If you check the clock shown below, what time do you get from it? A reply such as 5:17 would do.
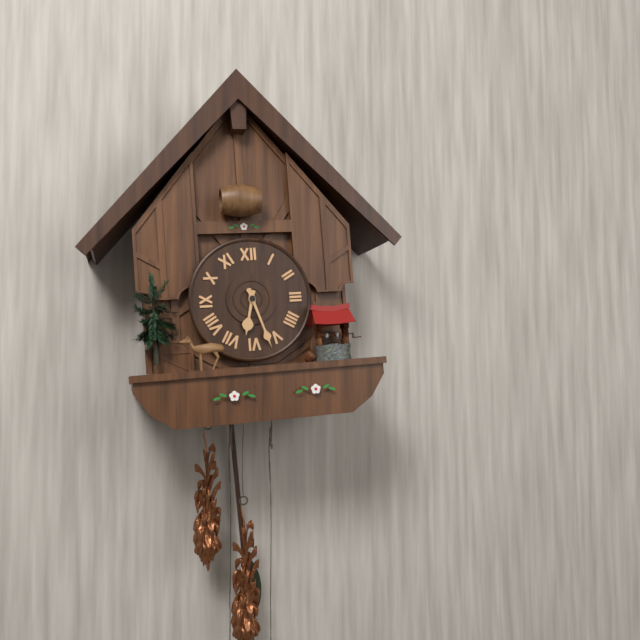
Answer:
6:27
